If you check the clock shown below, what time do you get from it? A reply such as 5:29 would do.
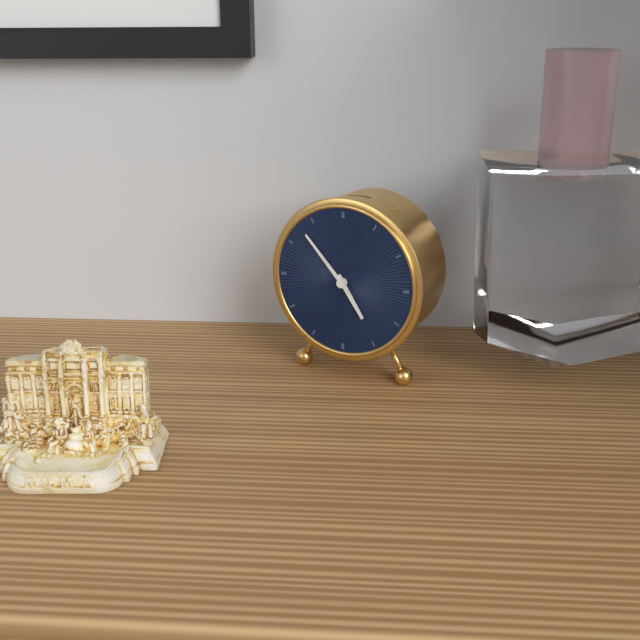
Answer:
4:53
